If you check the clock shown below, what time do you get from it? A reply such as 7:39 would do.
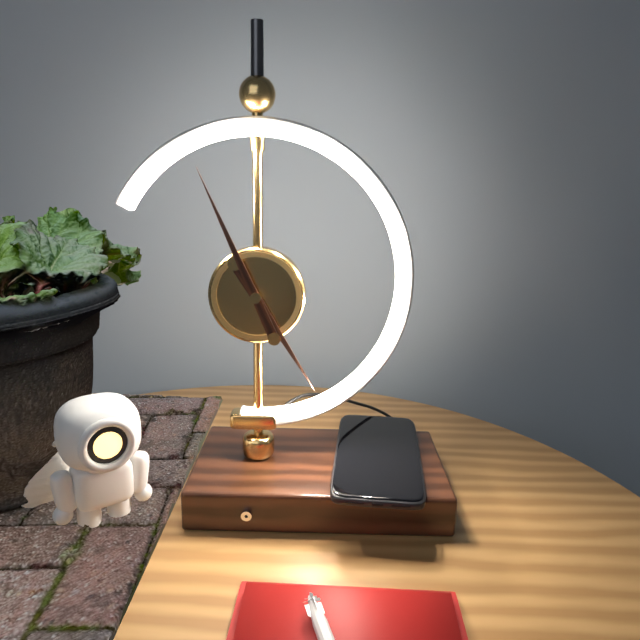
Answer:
4:56
